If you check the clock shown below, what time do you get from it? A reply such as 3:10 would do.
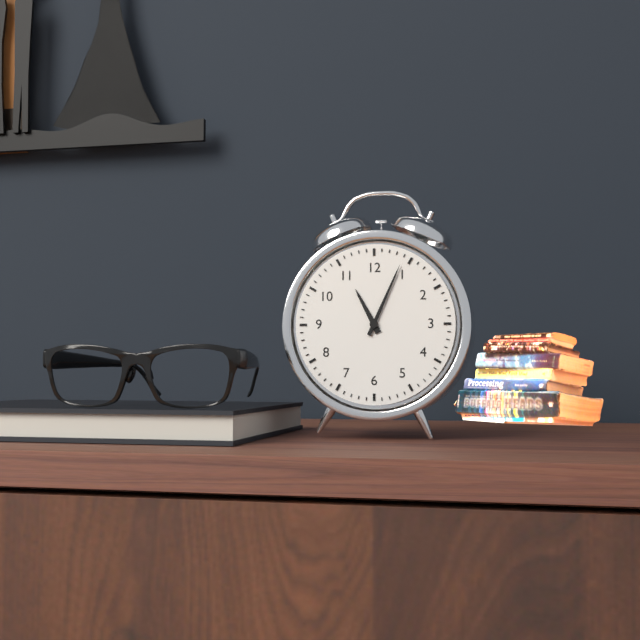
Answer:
11:04
